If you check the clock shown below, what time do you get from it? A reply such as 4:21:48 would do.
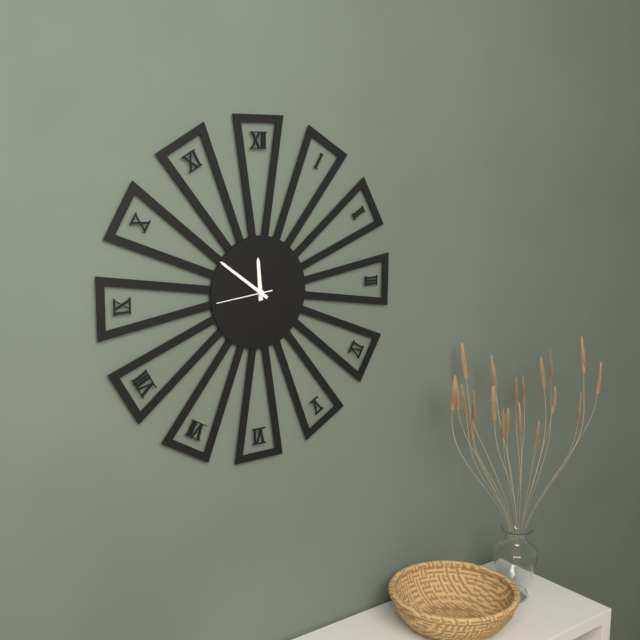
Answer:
11:51:44
